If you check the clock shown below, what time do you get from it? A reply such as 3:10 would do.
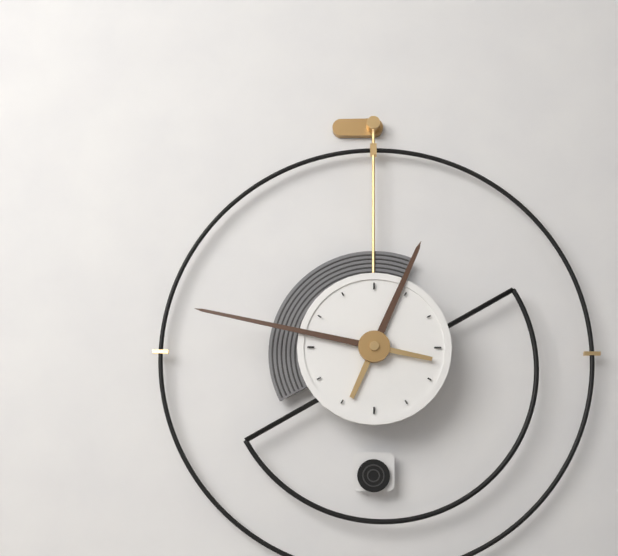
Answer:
12:47
